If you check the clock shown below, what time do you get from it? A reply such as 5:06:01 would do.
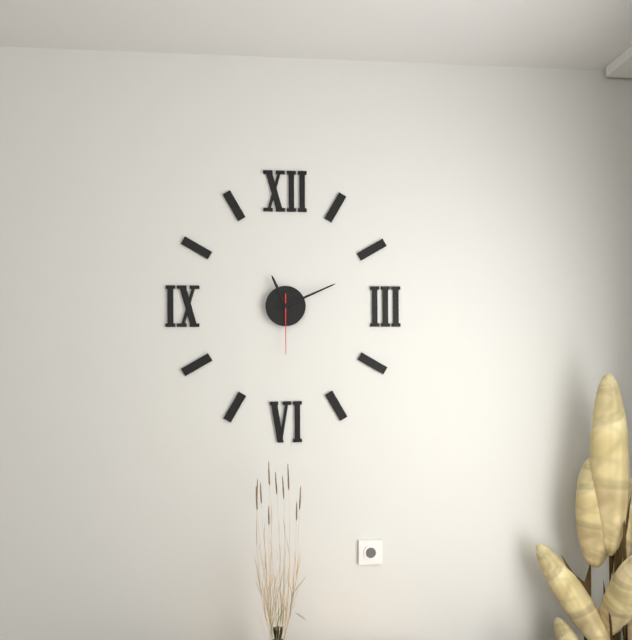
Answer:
11:11:30
